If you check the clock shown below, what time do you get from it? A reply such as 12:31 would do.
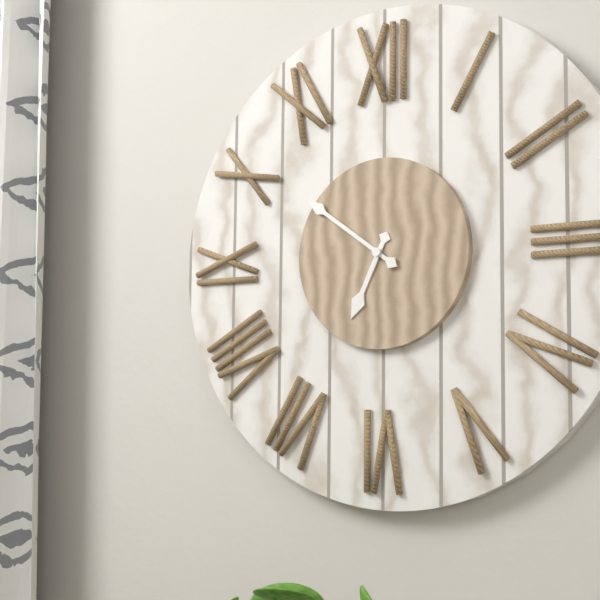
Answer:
6:51
